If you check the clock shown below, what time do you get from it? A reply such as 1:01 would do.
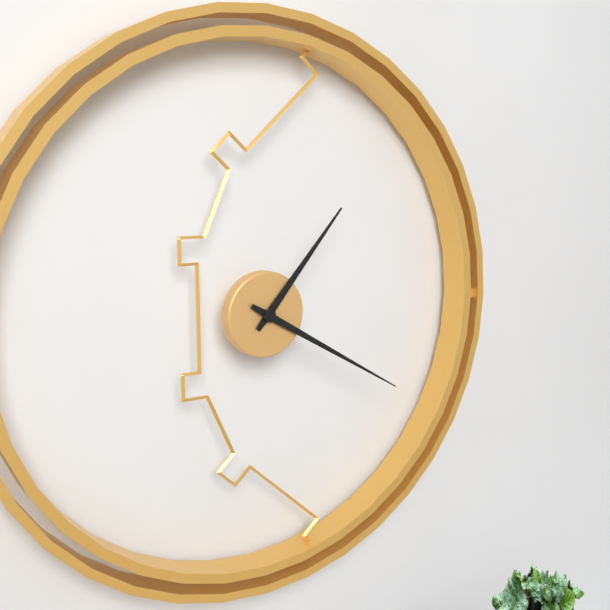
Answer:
1:20
